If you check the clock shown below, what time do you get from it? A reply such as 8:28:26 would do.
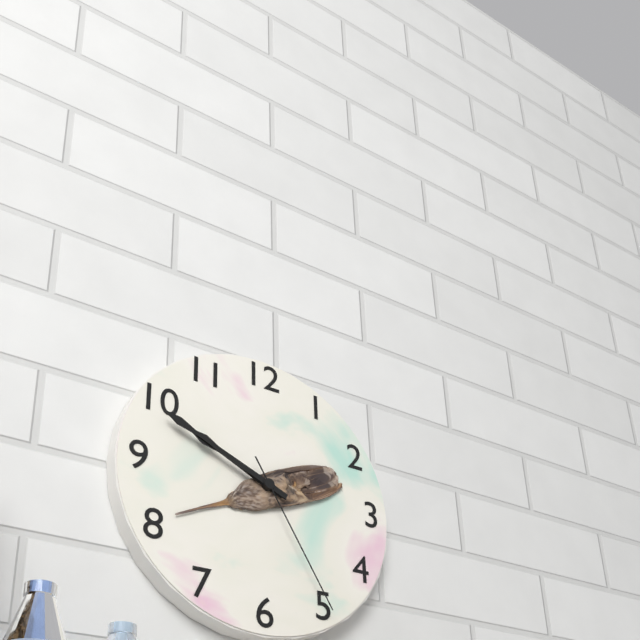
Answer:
9:49:25
